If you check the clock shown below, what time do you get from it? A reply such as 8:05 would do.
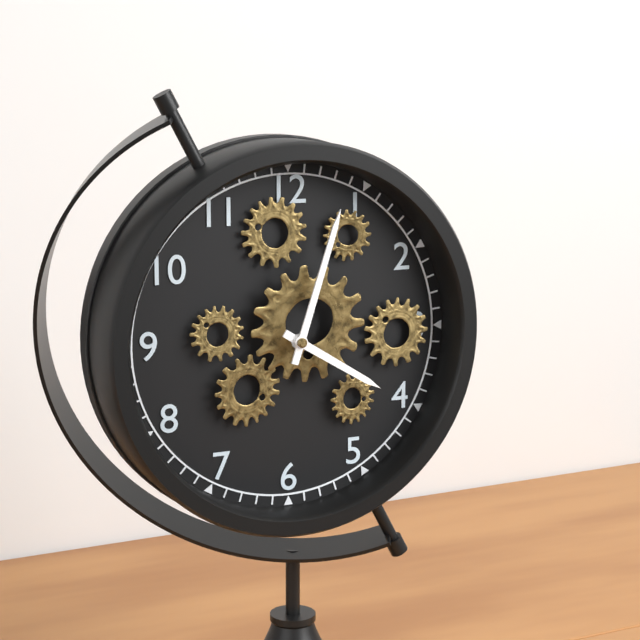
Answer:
4:03
